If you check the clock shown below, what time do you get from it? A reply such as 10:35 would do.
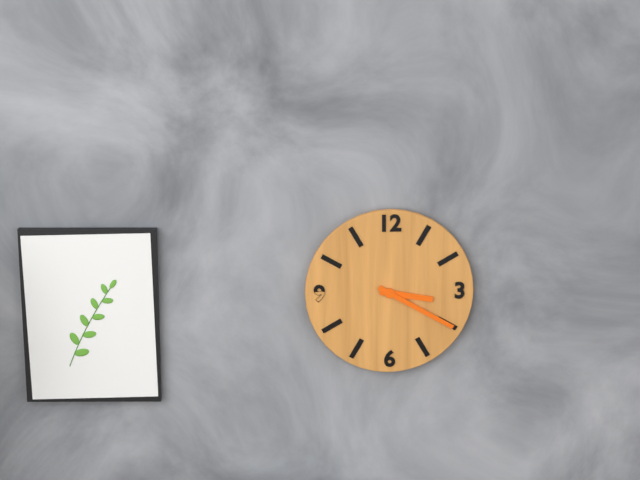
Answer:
3:20
